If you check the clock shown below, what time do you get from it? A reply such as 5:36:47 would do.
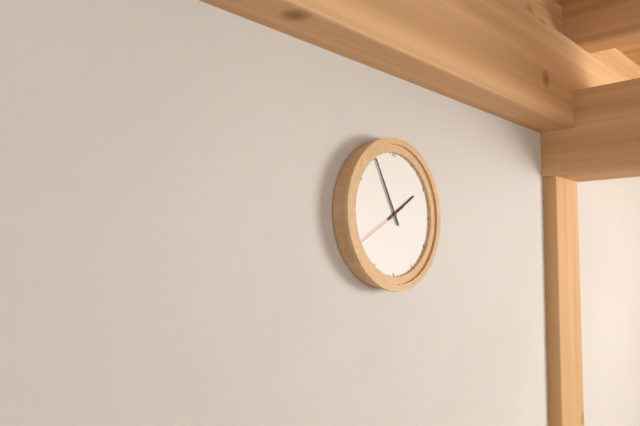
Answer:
1:55:40
